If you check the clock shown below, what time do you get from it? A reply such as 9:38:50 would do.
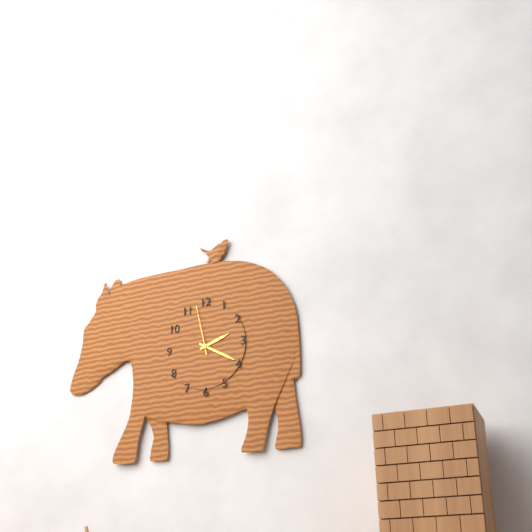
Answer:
2:20:58
